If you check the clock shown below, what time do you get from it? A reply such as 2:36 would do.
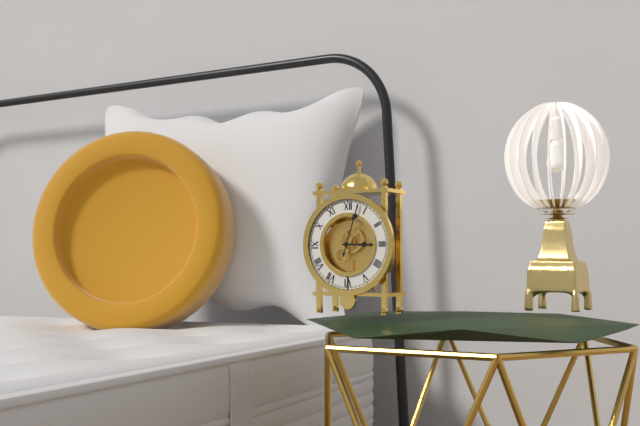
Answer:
3:03
